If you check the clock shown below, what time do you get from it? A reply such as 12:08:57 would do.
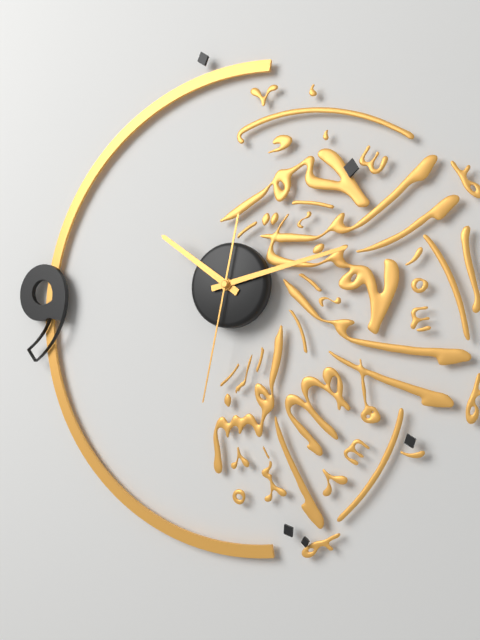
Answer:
10:13:32
